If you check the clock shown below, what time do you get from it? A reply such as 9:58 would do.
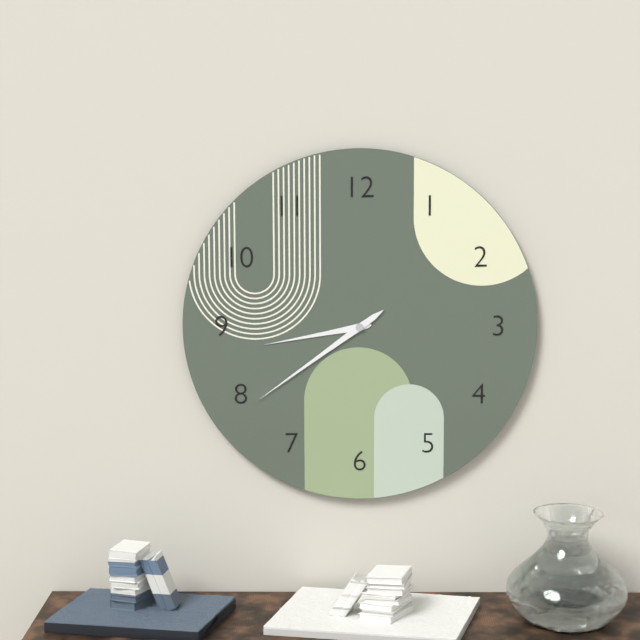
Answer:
8:39
